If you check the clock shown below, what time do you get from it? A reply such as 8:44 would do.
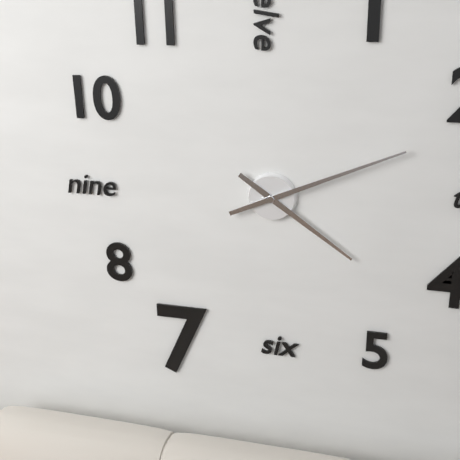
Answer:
4:11
